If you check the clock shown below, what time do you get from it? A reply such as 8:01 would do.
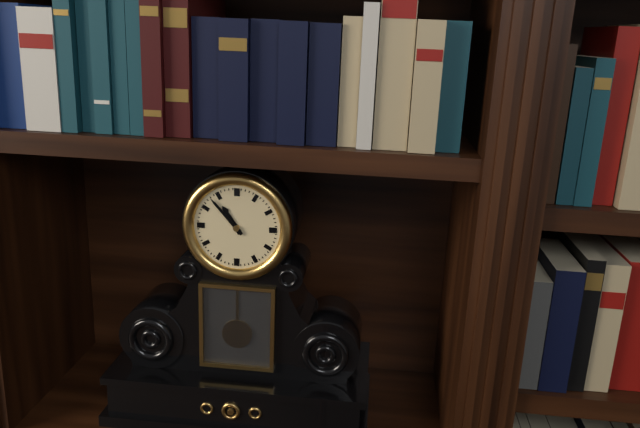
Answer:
10:53
